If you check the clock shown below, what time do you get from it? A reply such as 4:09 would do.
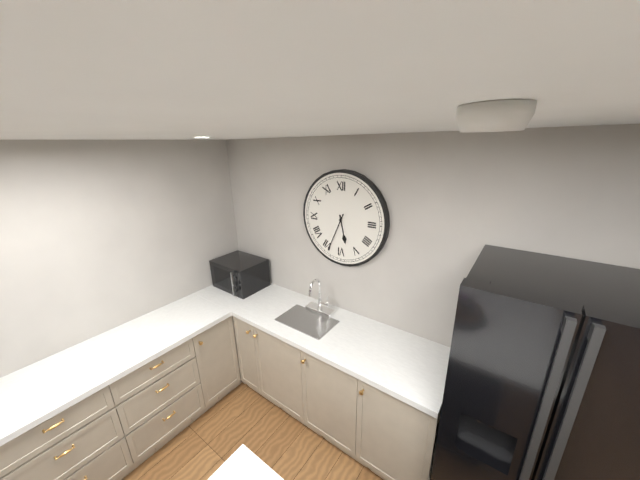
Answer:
5:34
